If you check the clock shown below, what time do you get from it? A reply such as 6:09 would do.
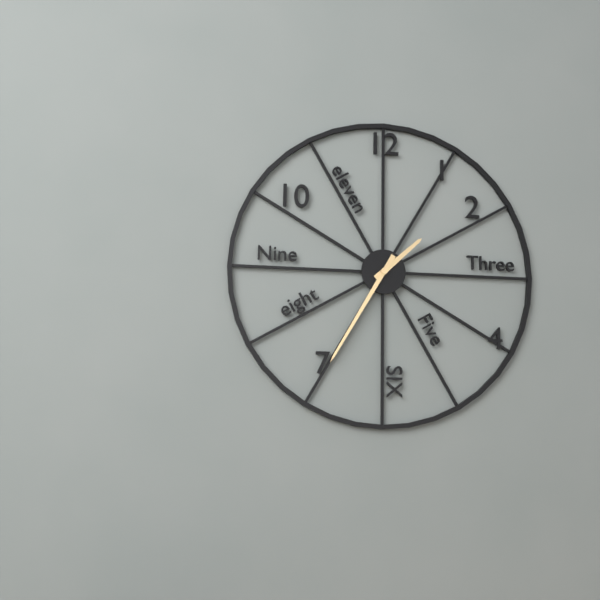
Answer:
1:35
